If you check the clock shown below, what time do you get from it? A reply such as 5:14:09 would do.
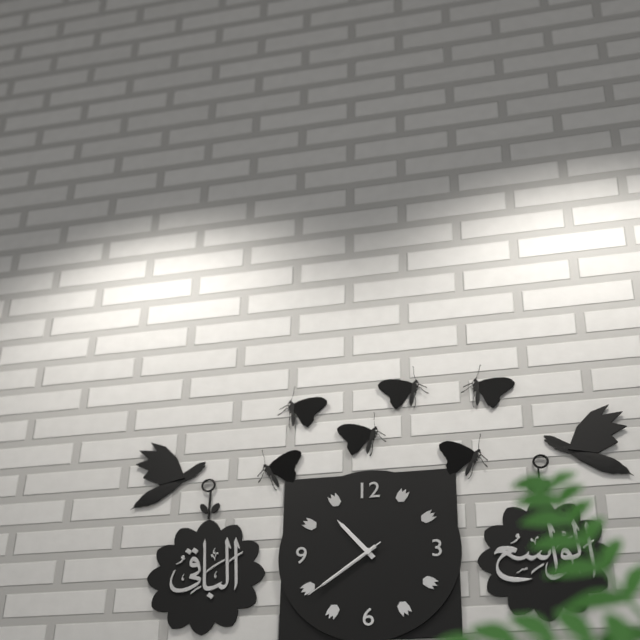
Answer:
10:39:39
